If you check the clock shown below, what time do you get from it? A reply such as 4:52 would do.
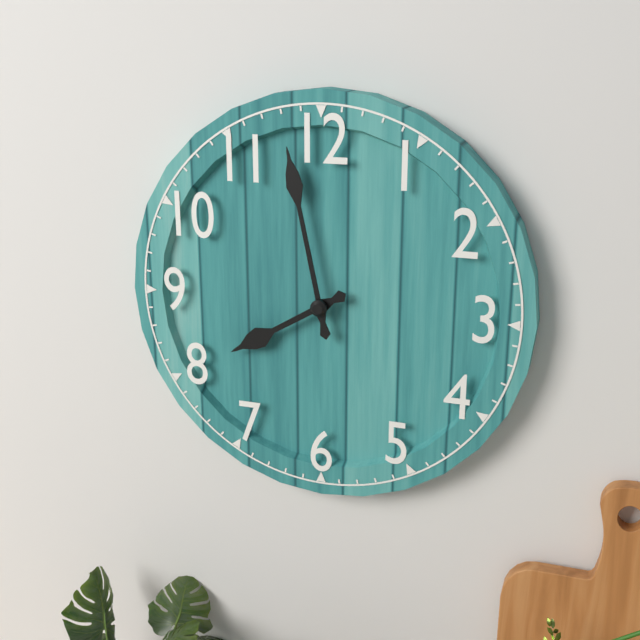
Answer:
7:58
